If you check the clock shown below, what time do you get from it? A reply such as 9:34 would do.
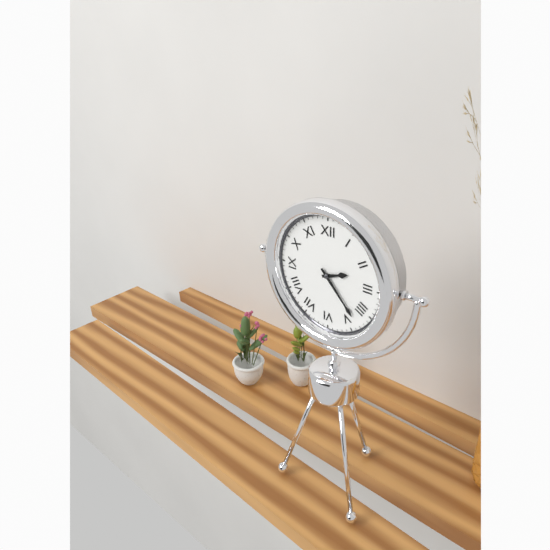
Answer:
2:23
